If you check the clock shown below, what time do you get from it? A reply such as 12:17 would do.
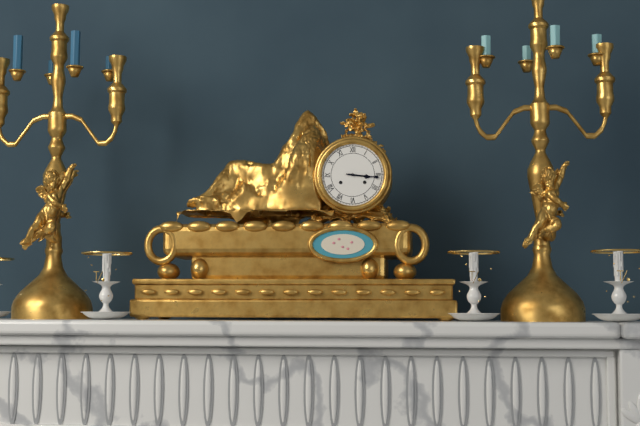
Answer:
3:16
